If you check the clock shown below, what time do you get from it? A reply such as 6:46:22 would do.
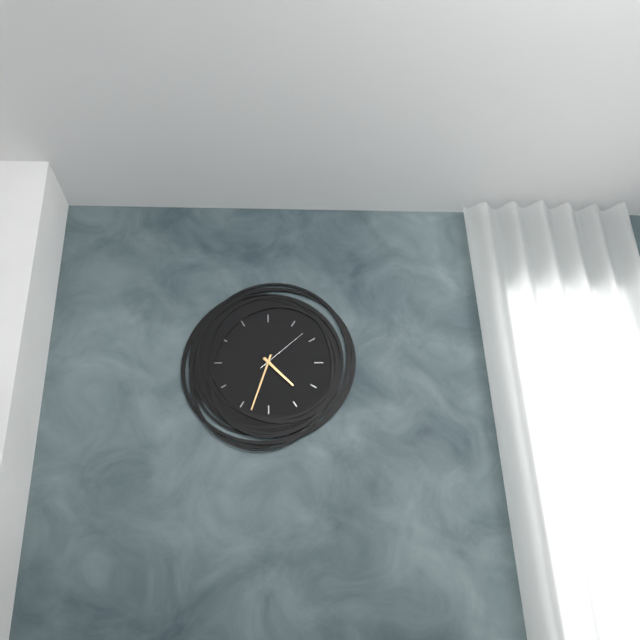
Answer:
4:33:08
